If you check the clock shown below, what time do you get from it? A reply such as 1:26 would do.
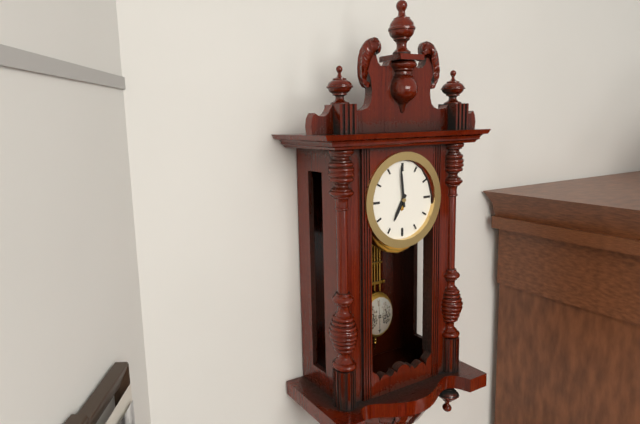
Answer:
6:59
